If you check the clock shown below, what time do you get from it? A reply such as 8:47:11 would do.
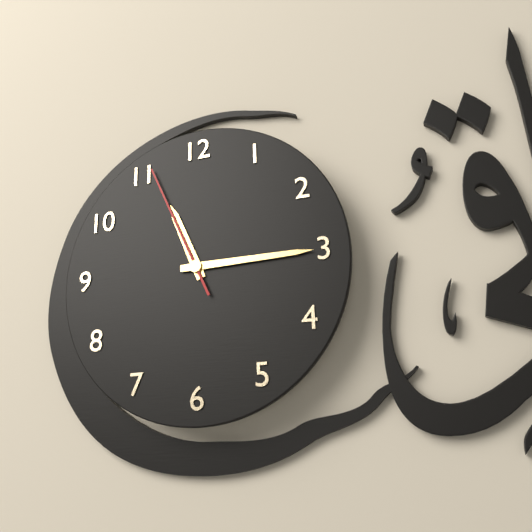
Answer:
11:15:56
